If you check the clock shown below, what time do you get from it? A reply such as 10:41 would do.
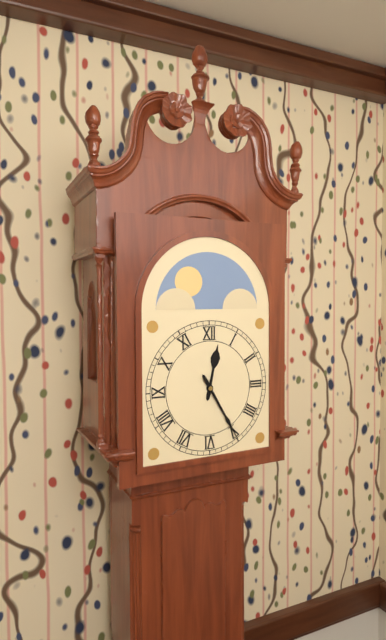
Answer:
12:25
